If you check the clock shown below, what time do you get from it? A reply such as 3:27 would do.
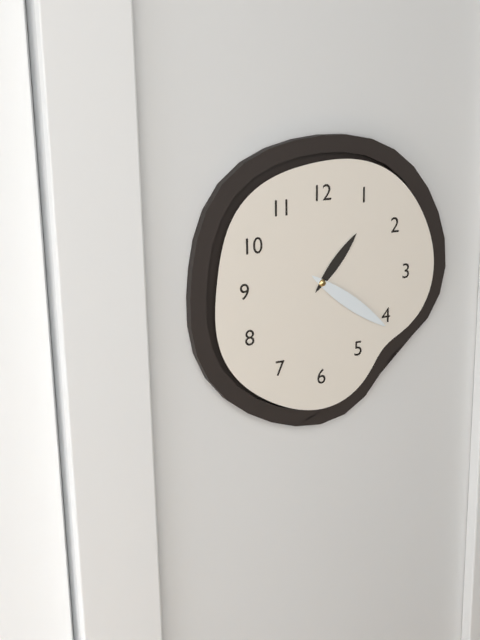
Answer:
1:21
